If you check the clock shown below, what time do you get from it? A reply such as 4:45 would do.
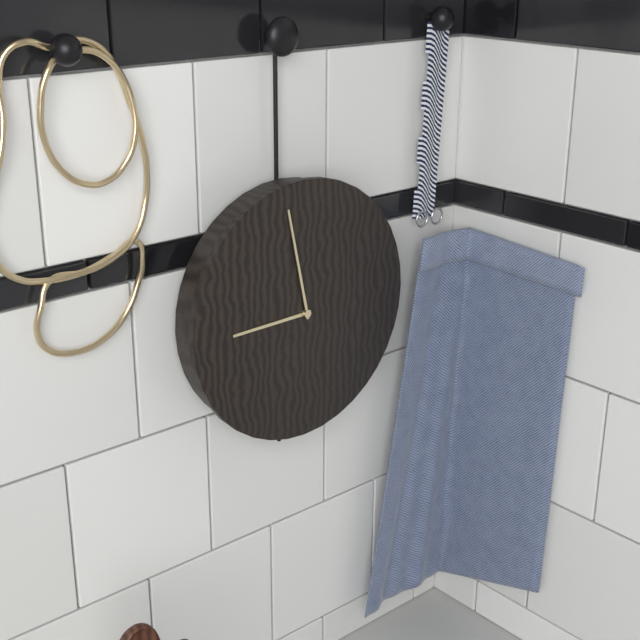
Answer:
8:58
